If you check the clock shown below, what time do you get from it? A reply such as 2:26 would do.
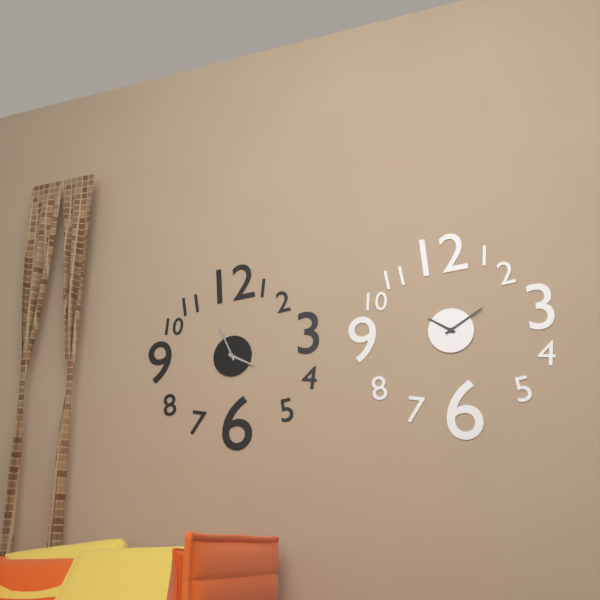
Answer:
3:56
